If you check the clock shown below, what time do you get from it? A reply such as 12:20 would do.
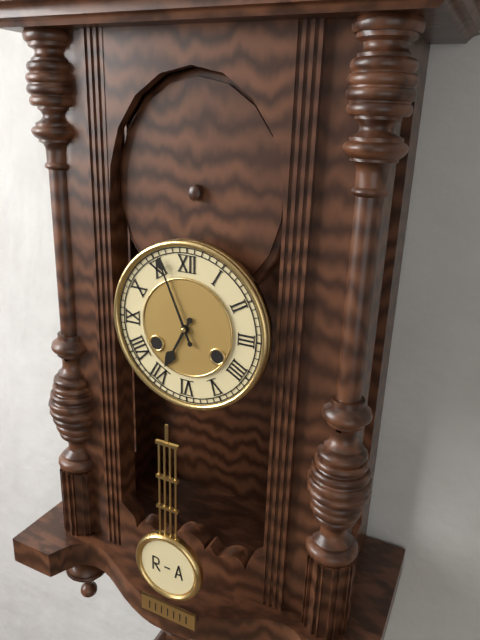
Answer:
6:56
